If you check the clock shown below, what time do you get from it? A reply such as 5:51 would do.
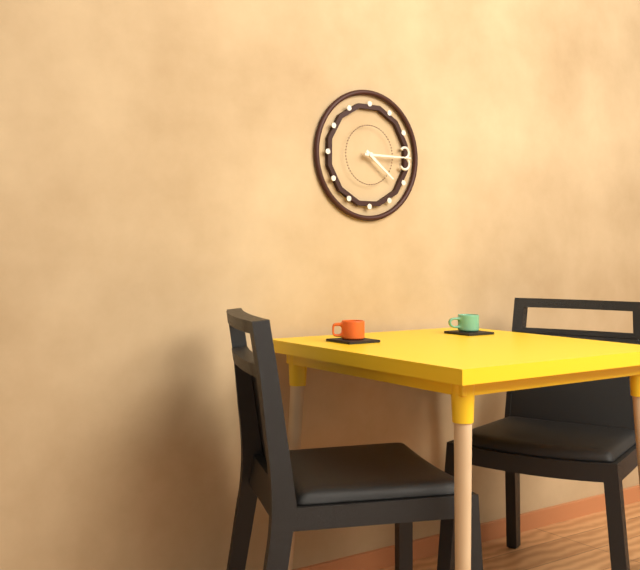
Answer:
4:15
